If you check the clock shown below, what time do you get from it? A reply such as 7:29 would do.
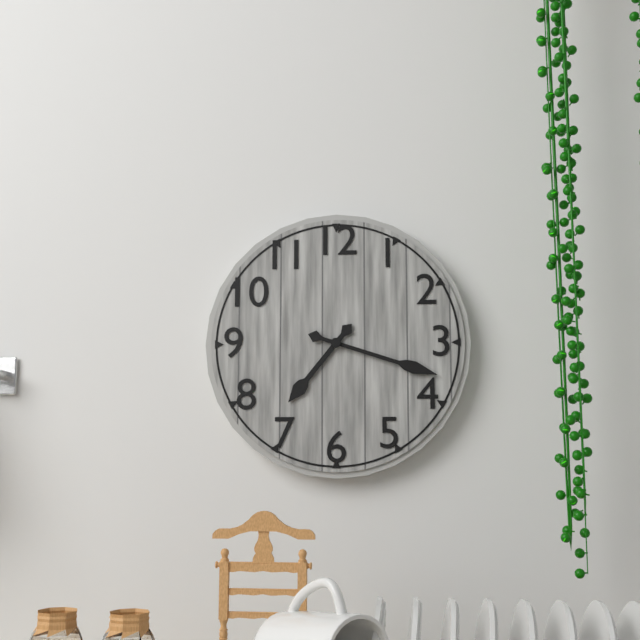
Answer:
7:18
